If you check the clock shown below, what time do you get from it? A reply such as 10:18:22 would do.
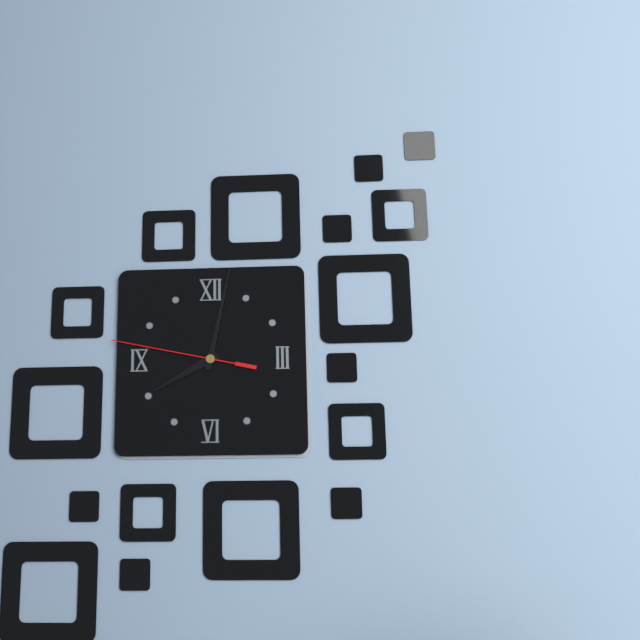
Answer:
8:02:47
